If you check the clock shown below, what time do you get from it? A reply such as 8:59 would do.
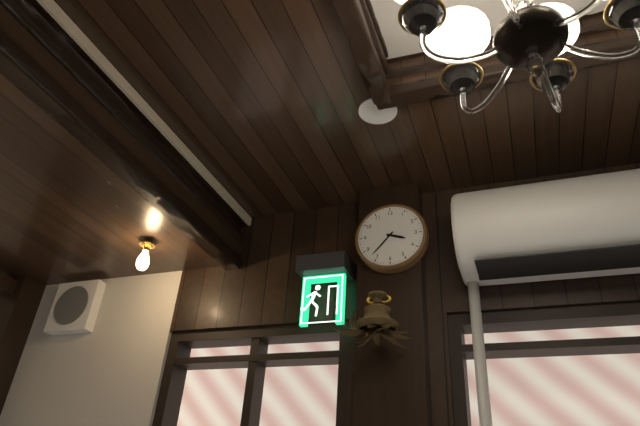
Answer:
3:37
